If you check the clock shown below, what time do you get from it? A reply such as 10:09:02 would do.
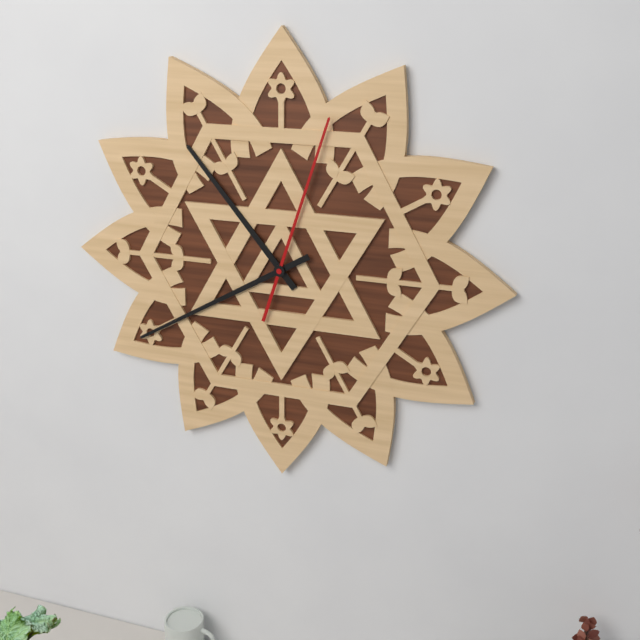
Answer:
10:40:03
